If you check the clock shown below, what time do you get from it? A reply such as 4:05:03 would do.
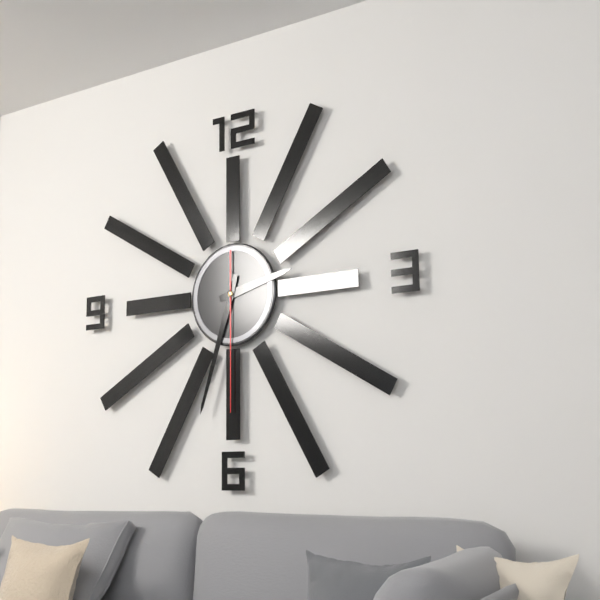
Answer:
2:33:30
